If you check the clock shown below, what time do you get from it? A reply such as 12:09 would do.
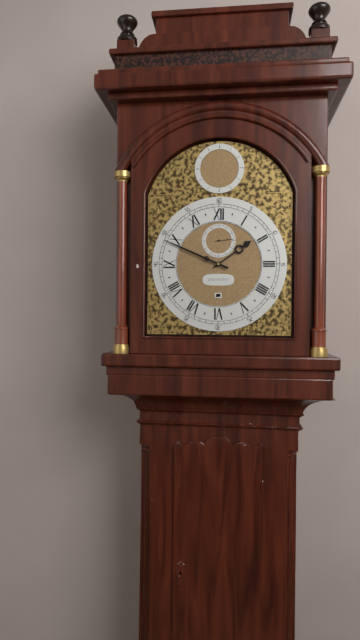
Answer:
1:49
